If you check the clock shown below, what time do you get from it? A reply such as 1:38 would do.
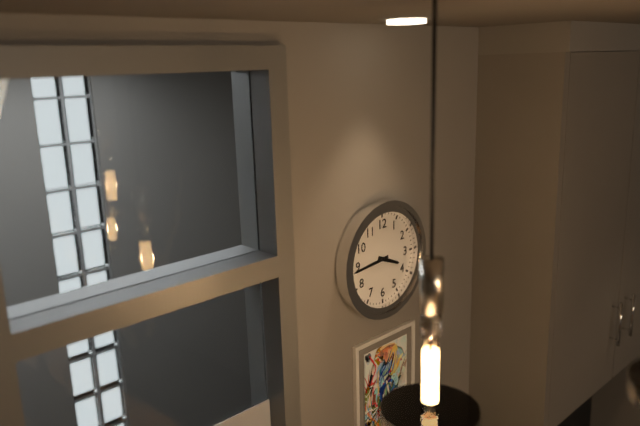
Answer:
3:44
